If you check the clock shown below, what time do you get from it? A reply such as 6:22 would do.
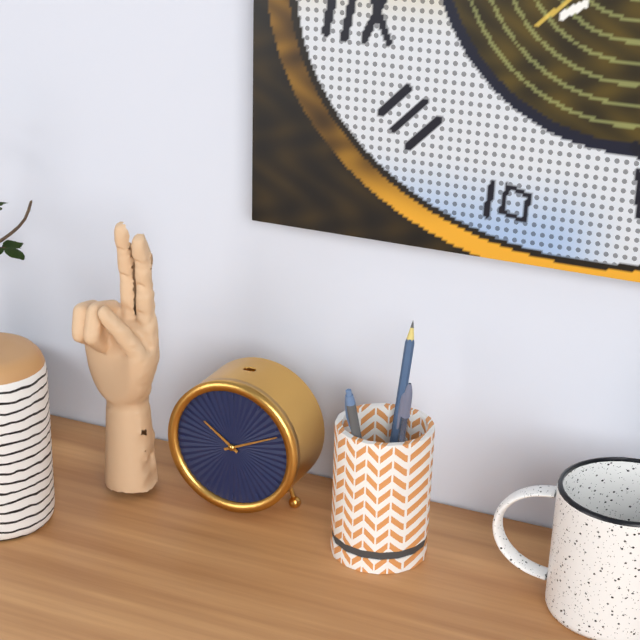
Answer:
10:11
